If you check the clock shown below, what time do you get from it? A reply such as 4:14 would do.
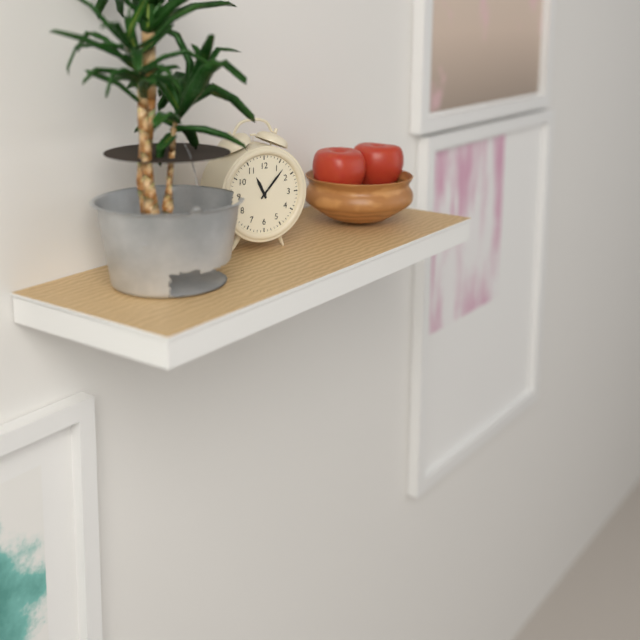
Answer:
11:07
